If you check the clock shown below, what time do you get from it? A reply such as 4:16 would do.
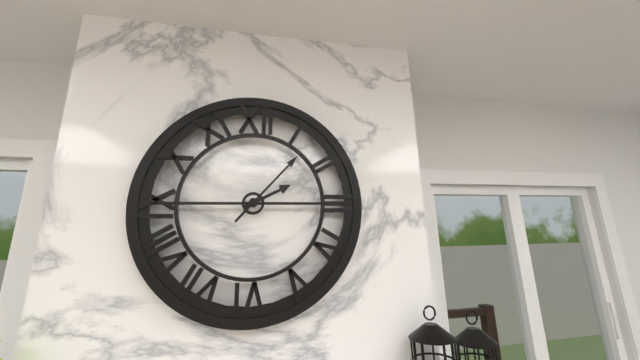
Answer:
2:07
